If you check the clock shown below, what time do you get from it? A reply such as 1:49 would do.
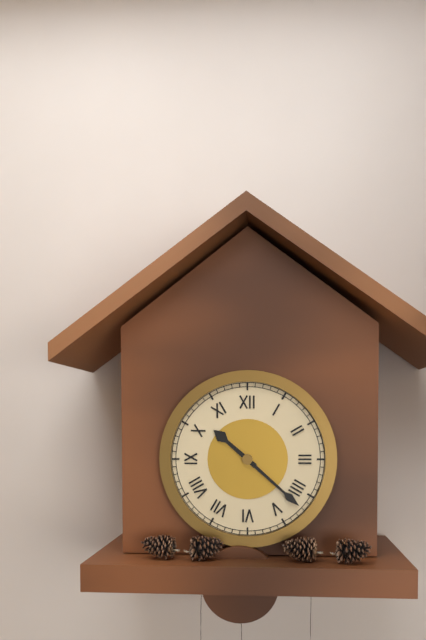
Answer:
10:22
